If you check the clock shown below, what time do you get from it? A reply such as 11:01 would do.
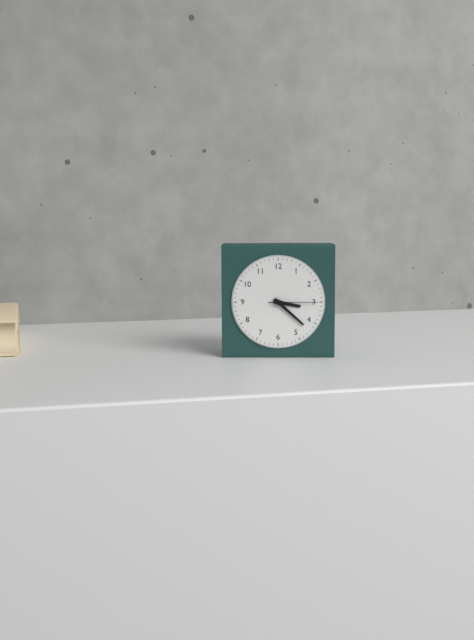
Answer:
3:22
